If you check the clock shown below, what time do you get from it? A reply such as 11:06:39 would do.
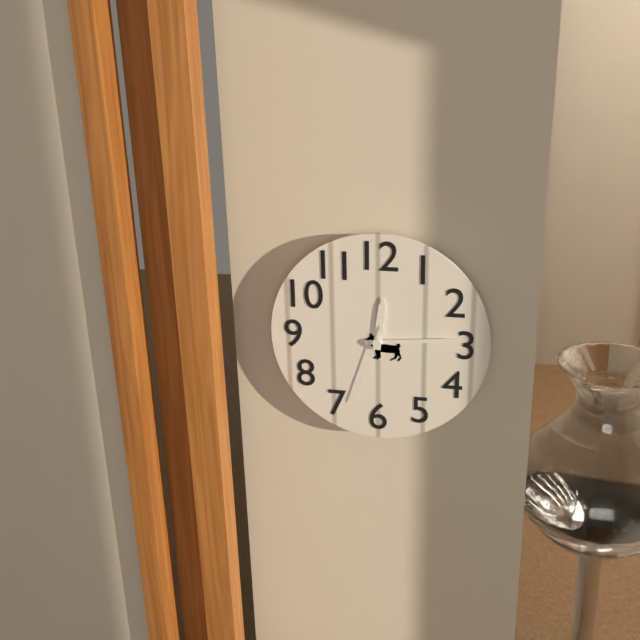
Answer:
12:14:33
